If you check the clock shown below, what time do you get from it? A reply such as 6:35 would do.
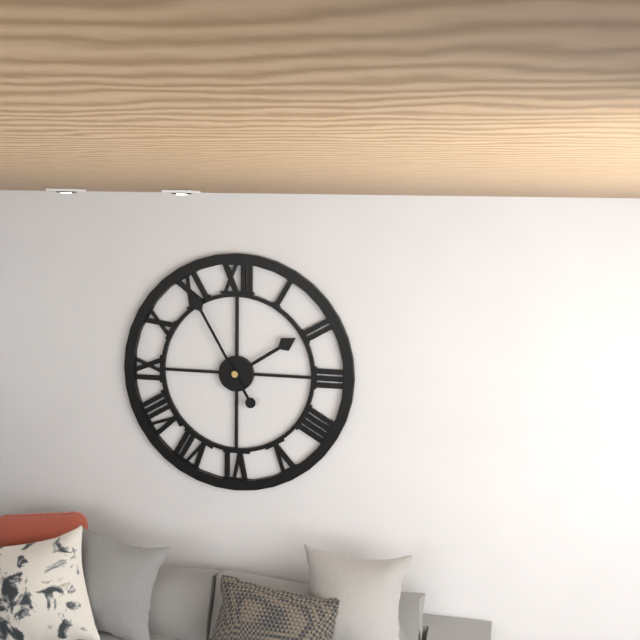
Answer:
1:55
